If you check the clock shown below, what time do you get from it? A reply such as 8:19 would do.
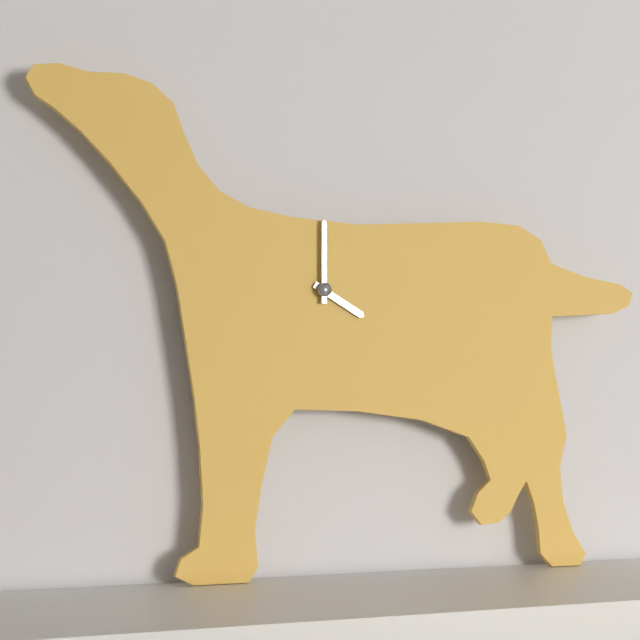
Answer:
4:00
